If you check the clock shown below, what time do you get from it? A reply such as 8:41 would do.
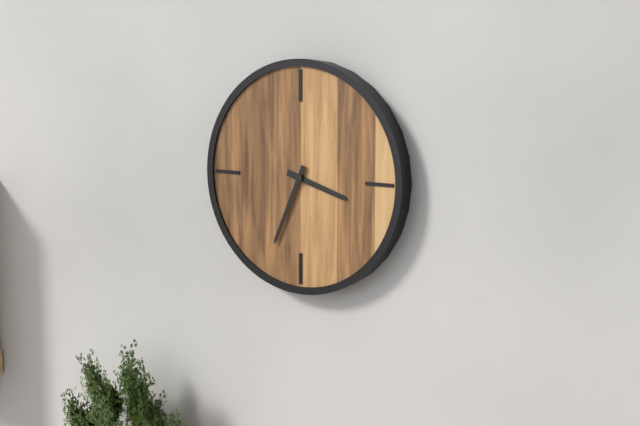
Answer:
3:34
